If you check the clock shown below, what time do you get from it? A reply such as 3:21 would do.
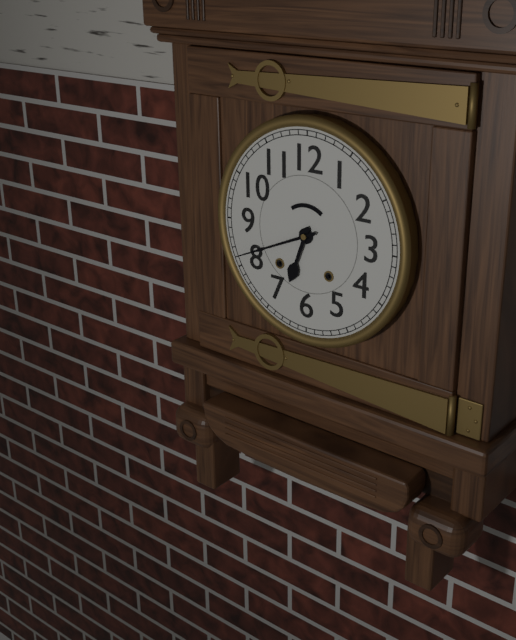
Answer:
6:41
